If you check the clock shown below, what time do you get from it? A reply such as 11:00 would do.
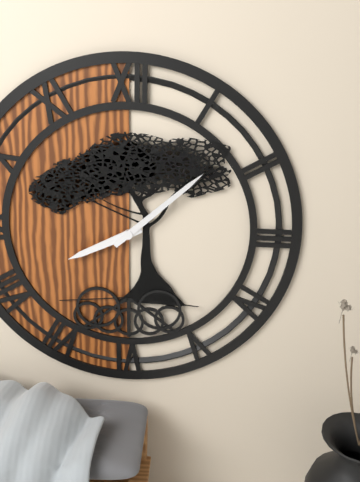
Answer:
8:08
